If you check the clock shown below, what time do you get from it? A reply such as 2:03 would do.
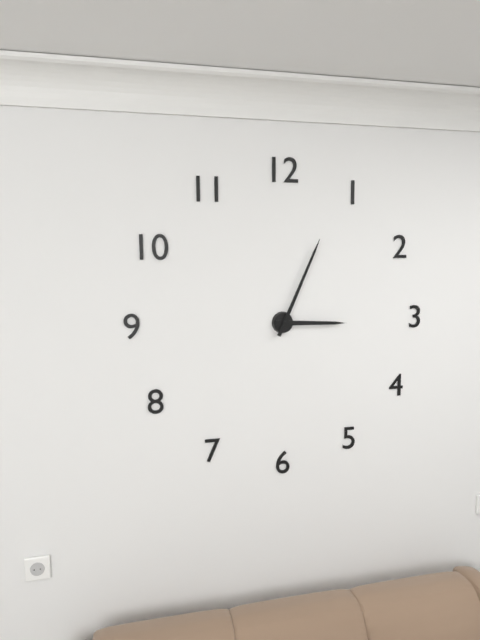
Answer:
3:04
